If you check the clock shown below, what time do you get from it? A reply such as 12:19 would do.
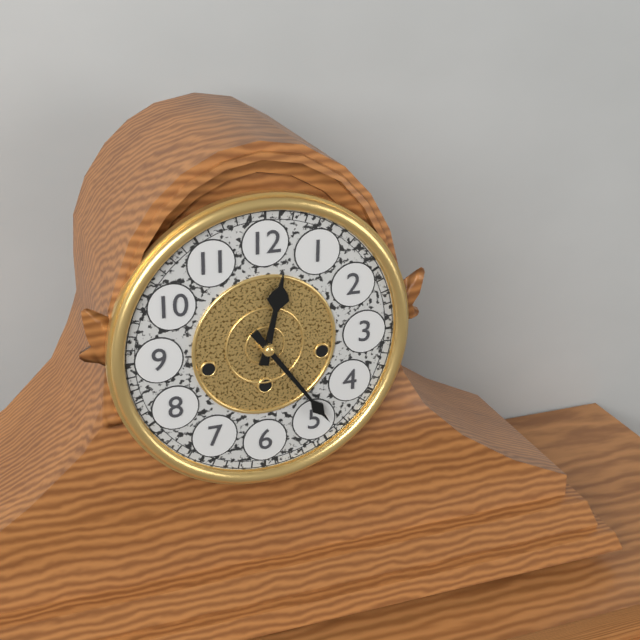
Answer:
12:24
